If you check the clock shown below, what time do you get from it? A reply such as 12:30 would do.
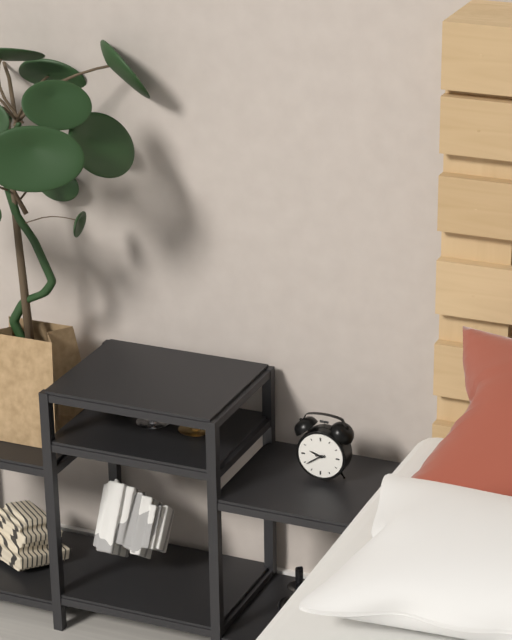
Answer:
9:39
